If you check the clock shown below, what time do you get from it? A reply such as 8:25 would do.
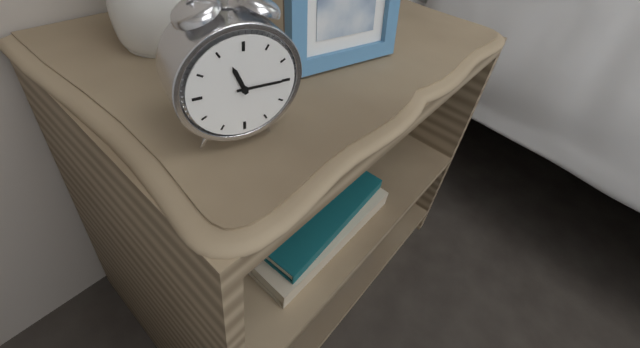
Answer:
11:15
